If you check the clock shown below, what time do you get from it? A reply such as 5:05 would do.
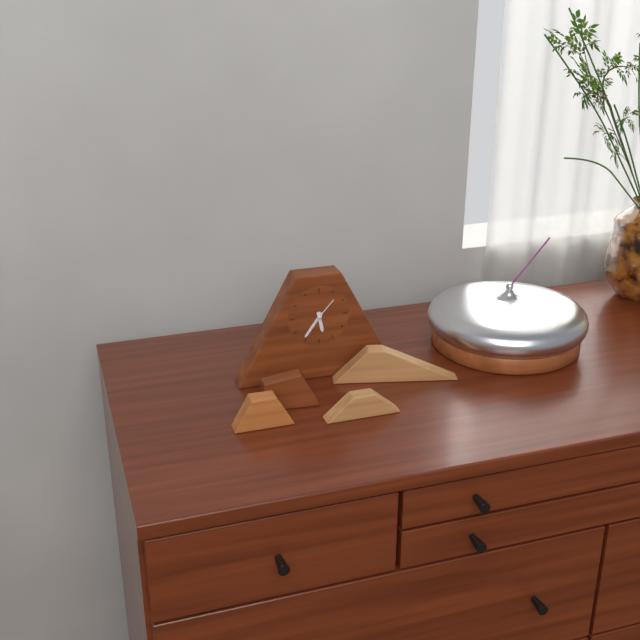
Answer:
5:36
